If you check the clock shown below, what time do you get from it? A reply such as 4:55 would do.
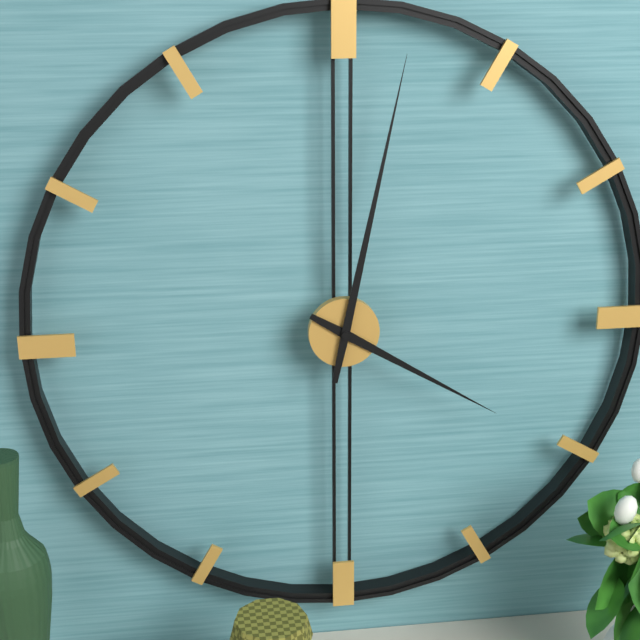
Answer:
4:02
